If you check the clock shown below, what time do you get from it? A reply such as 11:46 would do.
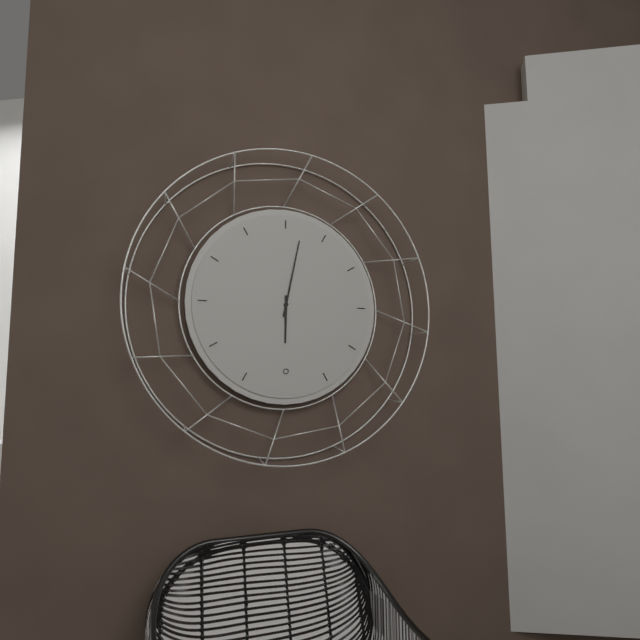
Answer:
6:02
